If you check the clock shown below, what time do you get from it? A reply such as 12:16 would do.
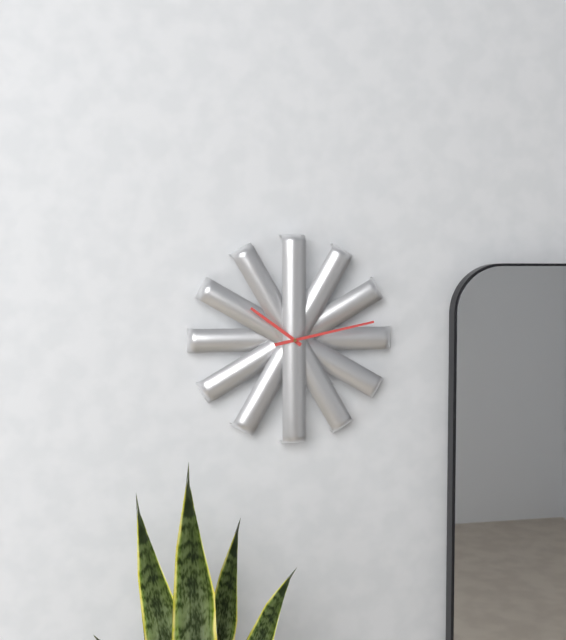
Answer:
10:13
